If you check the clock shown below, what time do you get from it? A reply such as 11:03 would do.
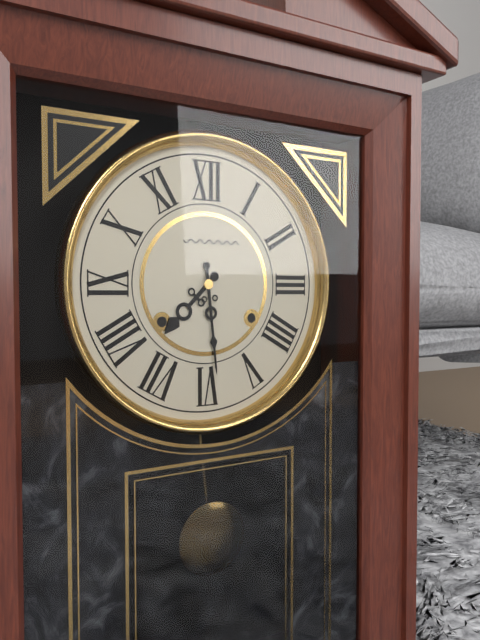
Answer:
7:29
